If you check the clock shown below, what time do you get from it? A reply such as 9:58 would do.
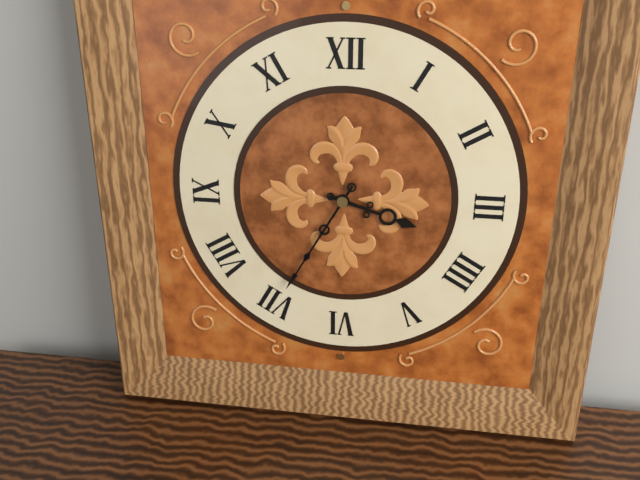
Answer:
3:35
